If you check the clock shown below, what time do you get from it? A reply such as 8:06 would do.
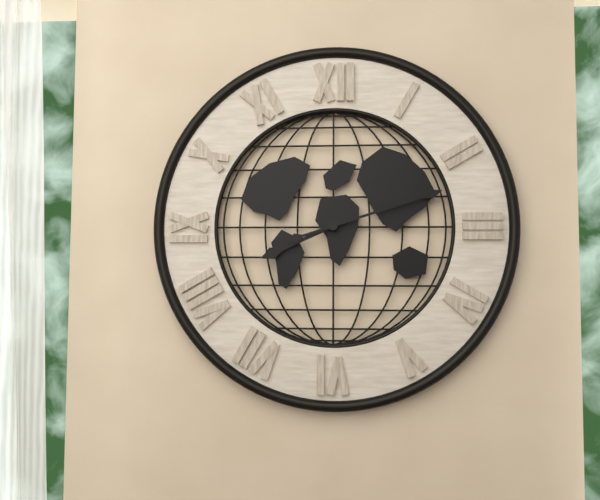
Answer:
8:12
